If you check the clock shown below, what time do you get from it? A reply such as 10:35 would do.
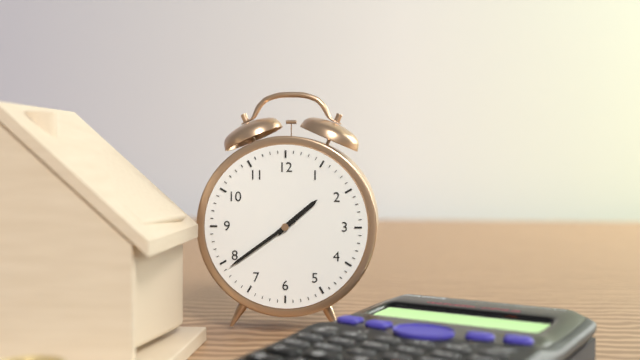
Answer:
1:39
